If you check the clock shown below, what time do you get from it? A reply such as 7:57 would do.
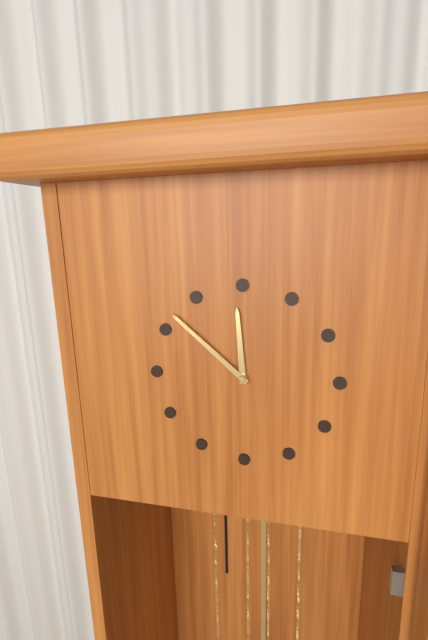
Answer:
11:52
